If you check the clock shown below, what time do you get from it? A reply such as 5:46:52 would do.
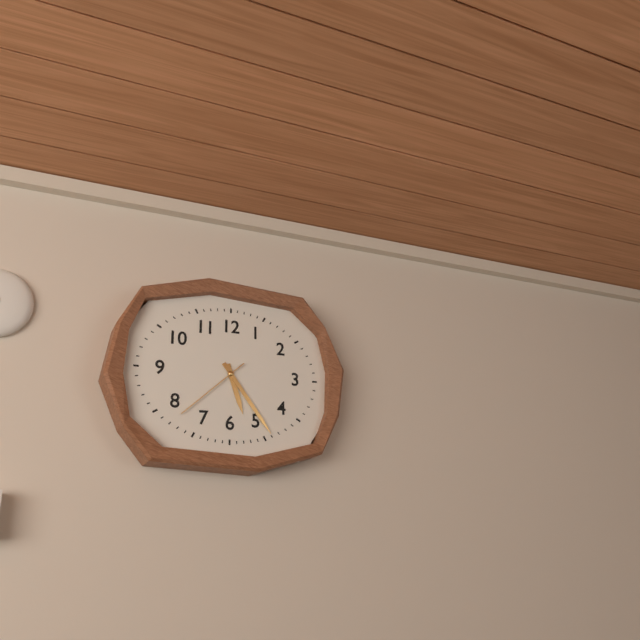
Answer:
5:24:38
